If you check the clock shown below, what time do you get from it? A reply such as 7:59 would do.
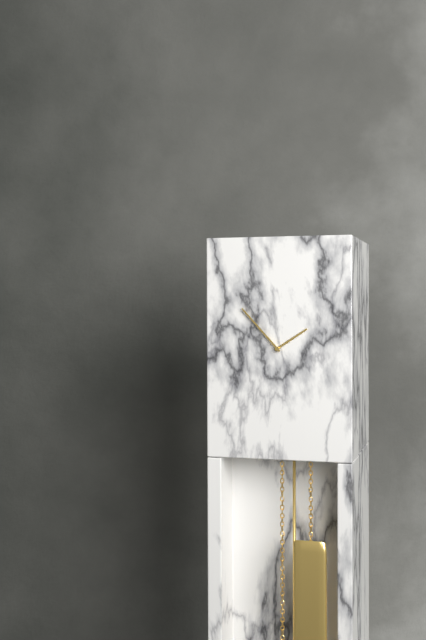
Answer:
1:53
